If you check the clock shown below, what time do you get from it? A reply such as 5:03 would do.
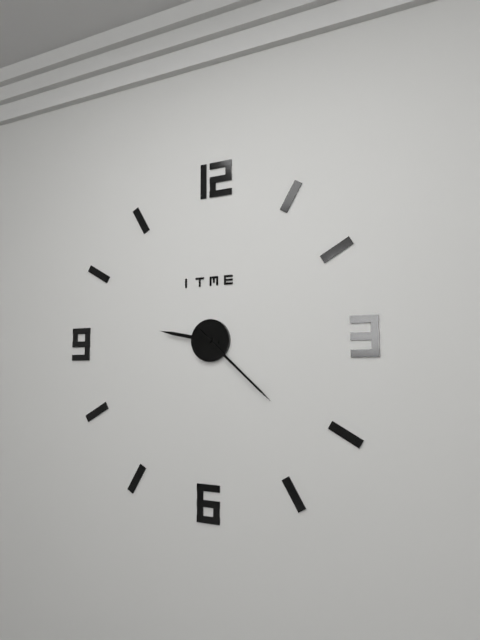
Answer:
9:22
